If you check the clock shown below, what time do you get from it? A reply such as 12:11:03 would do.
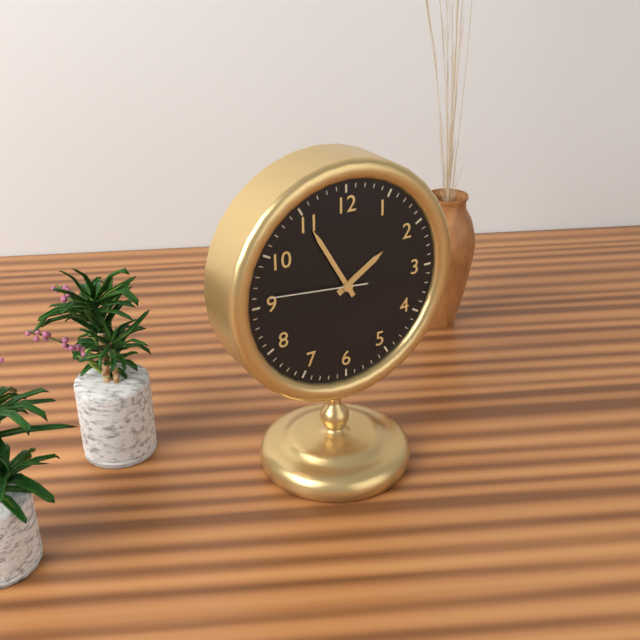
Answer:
1:55:46
